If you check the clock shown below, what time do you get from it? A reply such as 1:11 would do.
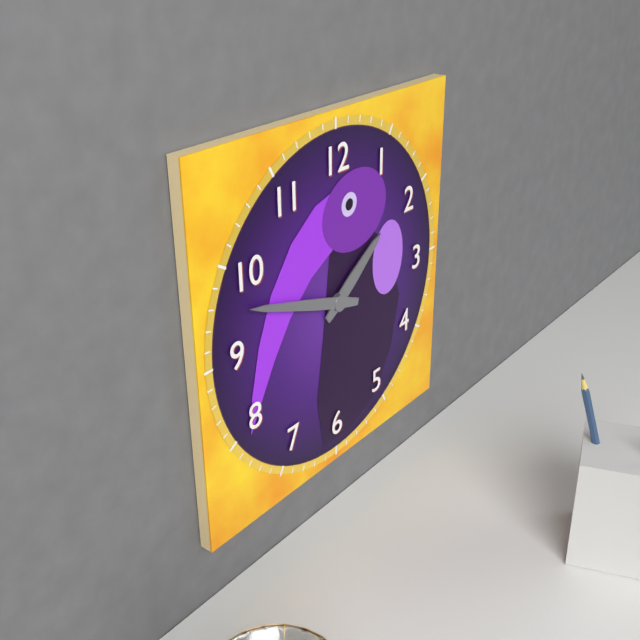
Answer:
1:48
